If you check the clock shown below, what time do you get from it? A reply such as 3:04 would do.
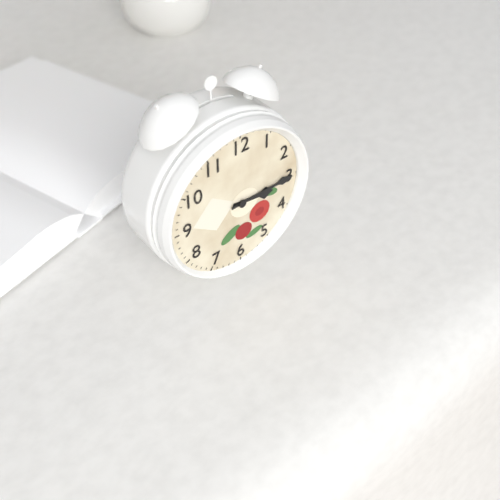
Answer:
3:15
